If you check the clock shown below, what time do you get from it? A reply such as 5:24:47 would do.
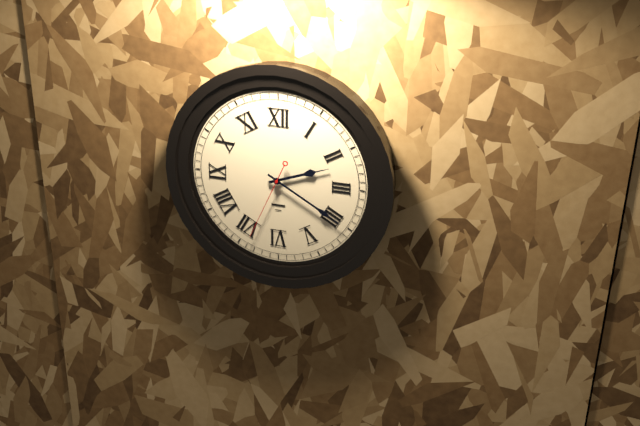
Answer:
2:20:34
